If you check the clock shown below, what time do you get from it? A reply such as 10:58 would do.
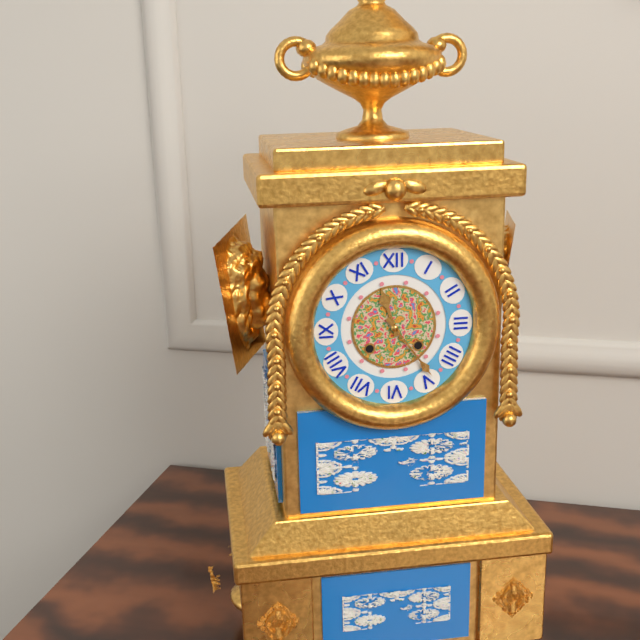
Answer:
11:24
